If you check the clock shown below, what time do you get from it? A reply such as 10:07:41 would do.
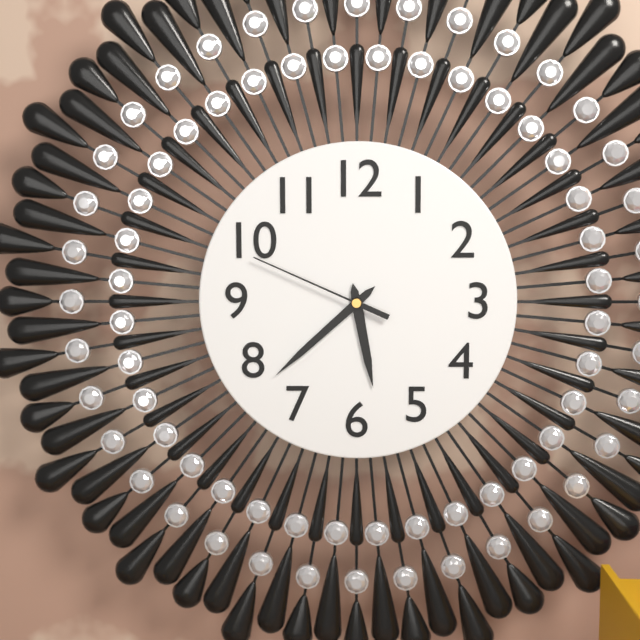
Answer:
5:38:49
